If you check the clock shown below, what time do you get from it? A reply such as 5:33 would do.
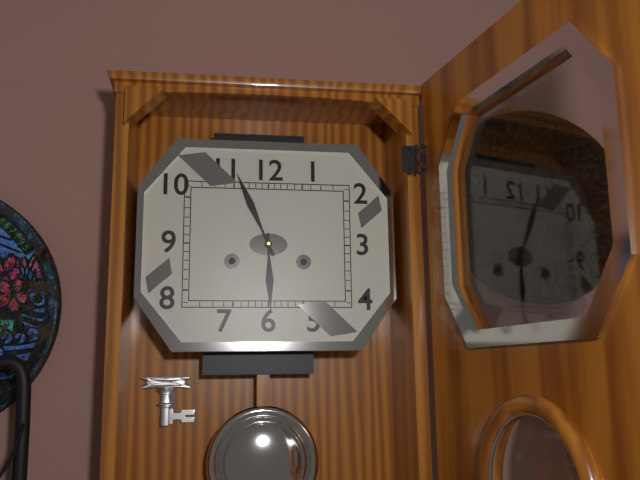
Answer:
5:56
